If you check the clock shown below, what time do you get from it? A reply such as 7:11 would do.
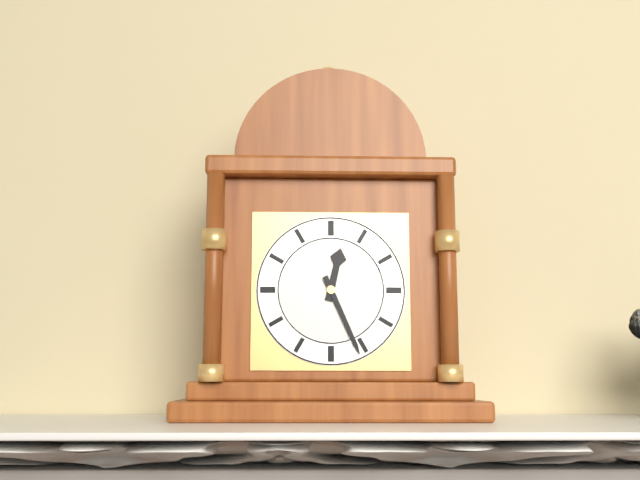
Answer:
12:26
